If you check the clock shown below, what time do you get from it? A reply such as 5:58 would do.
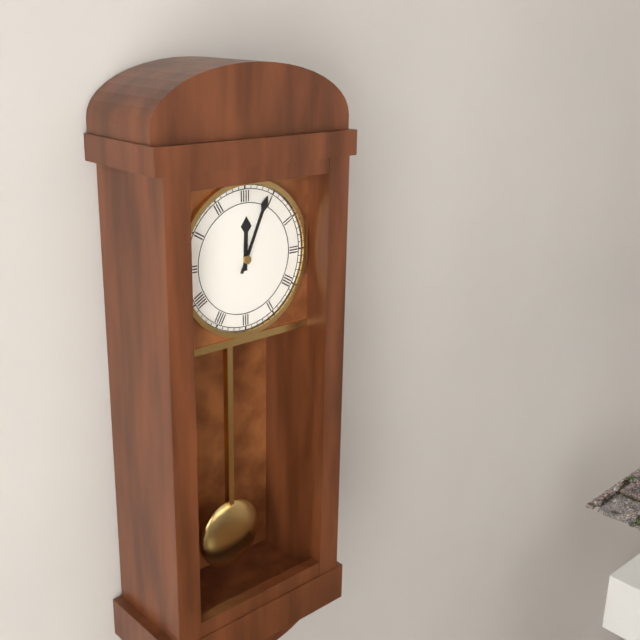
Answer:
12:04
